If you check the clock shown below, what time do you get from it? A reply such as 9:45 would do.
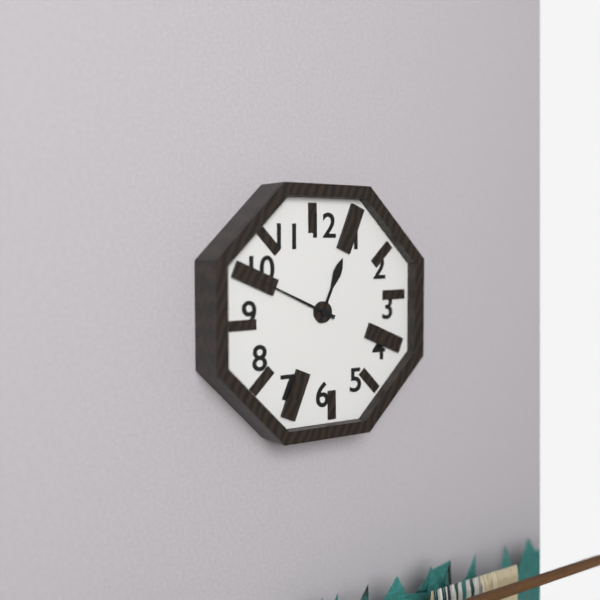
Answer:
12:49
